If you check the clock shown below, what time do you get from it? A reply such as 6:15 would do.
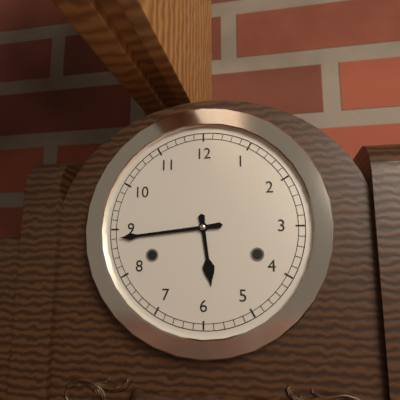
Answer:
5:44
